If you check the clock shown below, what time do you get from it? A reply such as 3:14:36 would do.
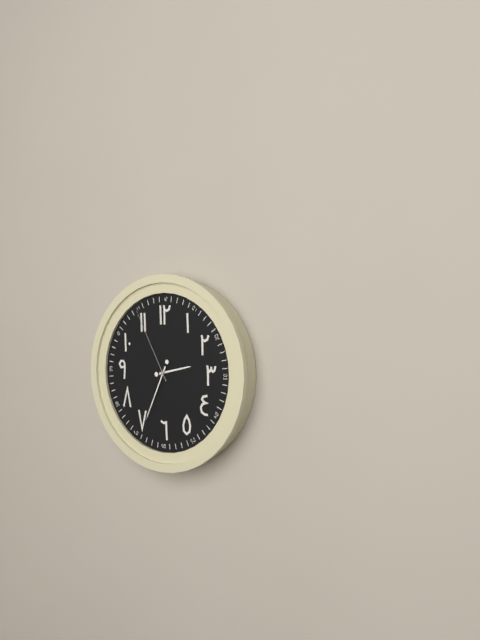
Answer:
2:34:55
